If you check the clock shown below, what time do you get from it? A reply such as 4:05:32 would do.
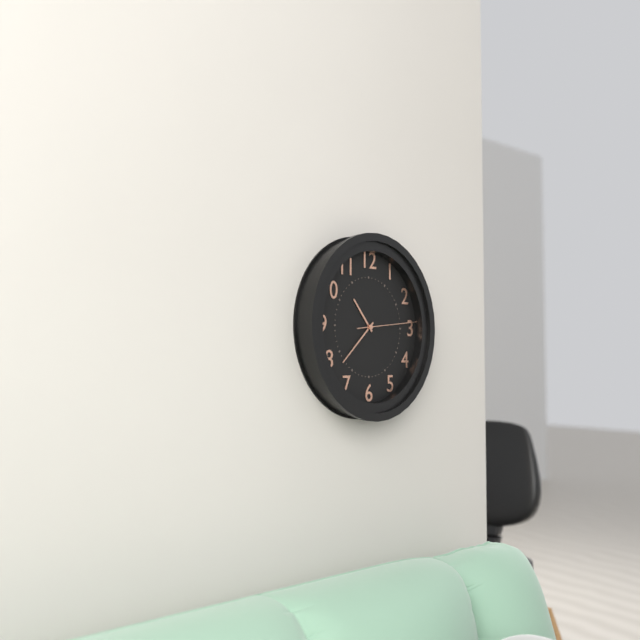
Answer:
10:38:14
